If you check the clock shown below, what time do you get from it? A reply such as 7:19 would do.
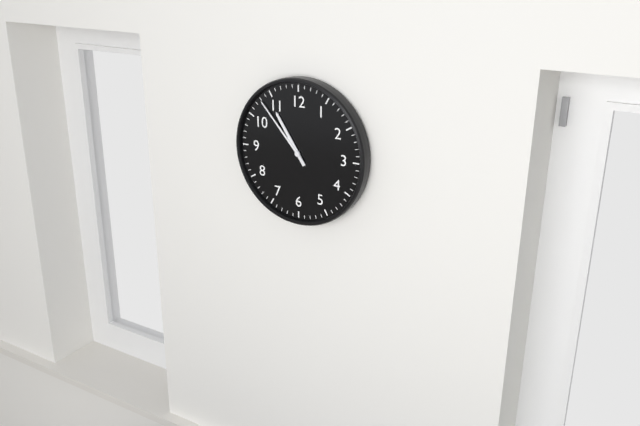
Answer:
10:53
